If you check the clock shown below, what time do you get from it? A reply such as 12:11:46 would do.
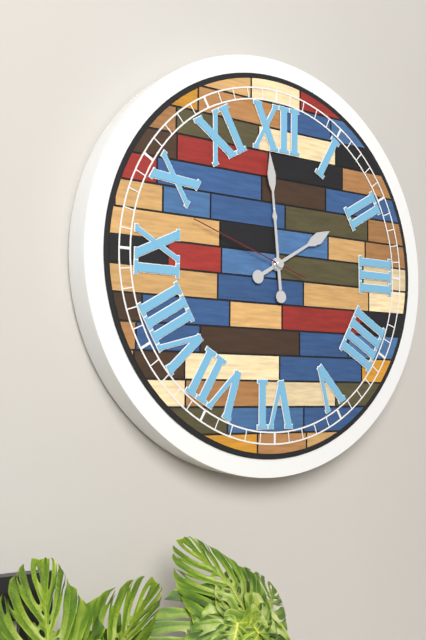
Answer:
1:59:48
